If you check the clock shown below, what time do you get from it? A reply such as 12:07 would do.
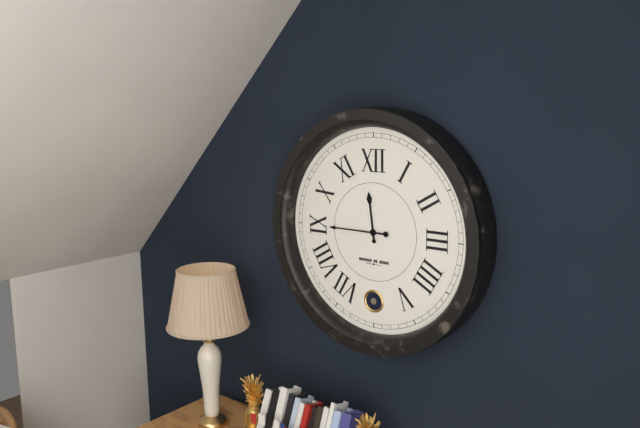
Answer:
11:45
